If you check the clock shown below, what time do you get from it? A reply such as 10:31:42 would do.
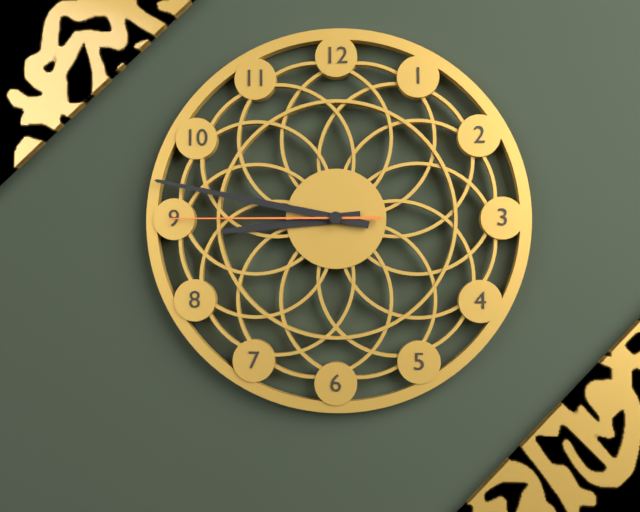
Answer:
8:47:45
